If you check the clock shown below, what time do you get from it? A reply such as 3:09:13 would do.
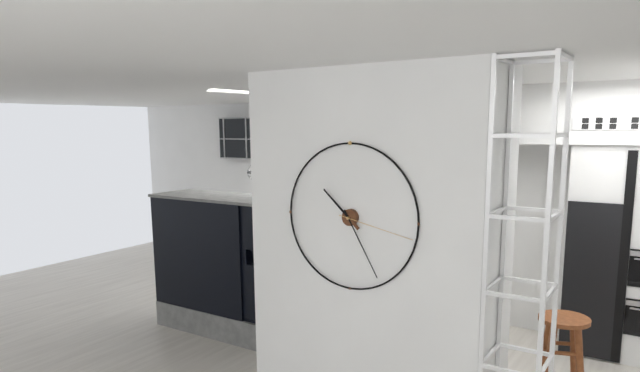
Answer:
10:25:17
